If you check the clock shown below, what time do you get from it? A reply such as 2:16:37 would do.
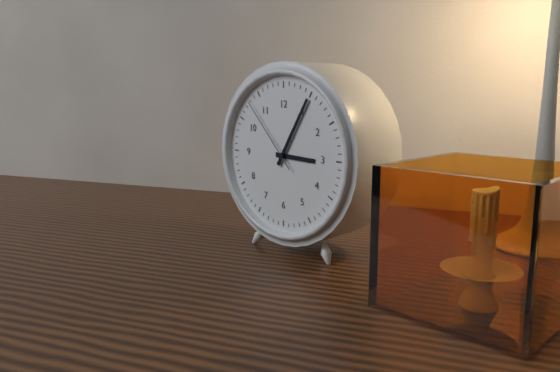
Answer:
3:05:53
